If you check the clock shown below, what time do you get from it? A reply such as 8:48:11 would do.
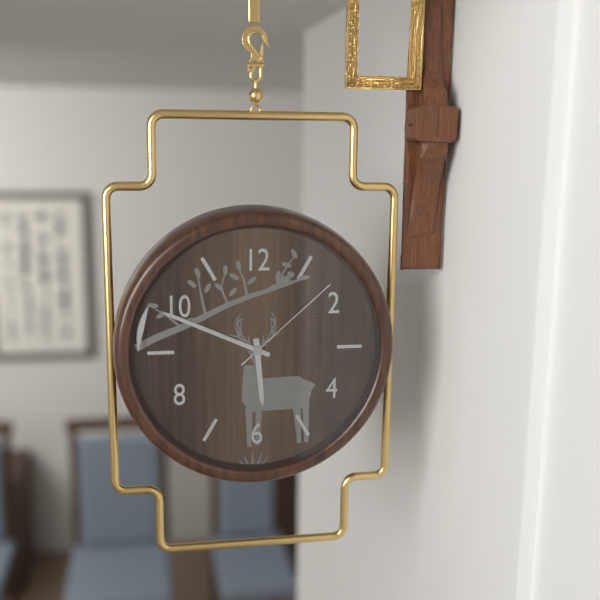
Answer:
5:49:08
